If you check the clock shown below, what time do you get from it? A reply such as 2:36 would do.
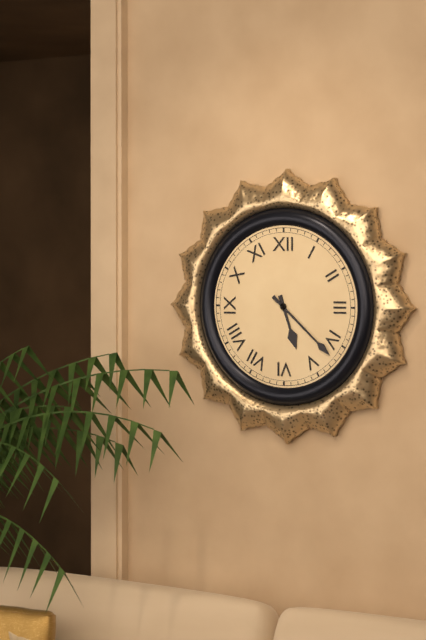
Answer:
5:22
